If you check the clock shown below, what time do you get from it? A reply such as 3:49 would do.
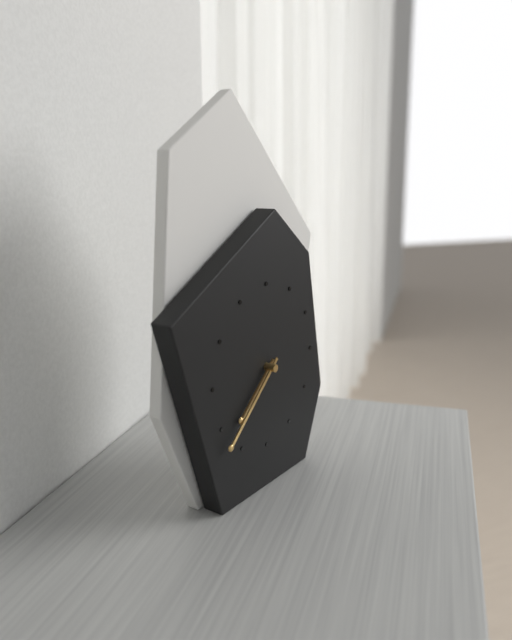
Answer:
7:38
